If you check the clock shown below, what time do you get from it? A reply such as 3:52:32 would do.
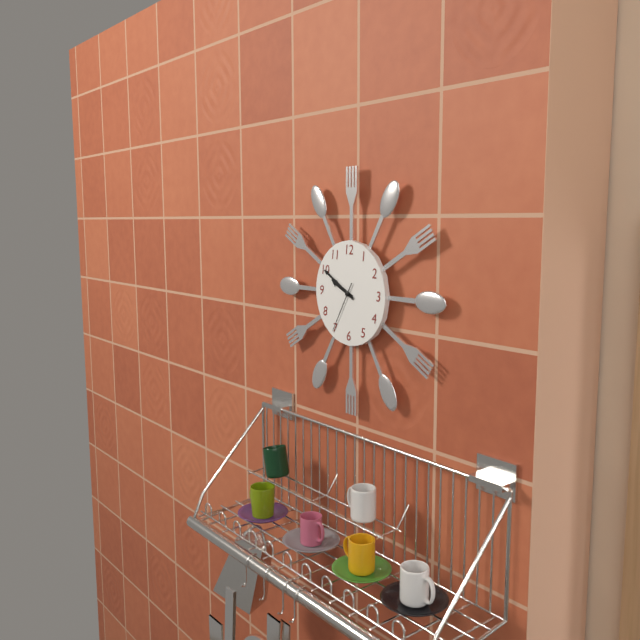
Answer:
9:50:35
